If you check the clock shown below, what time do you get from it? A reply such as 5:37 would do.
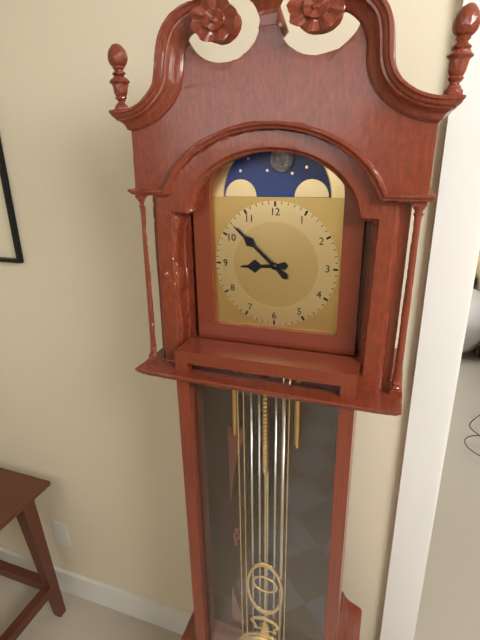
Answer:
8:52
